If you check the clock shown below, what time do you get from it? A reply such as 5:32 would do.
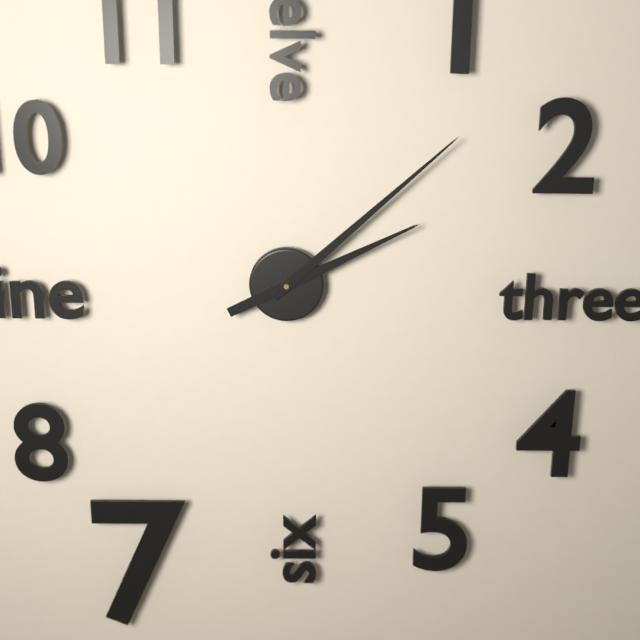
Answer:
2:08
